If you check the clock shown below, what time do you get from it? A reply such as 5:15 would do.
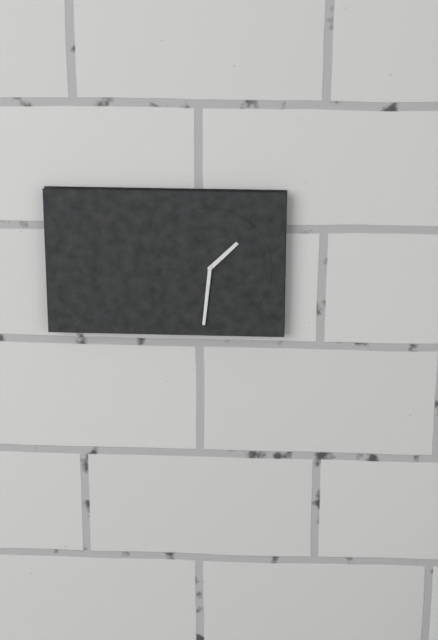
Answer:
1:31
